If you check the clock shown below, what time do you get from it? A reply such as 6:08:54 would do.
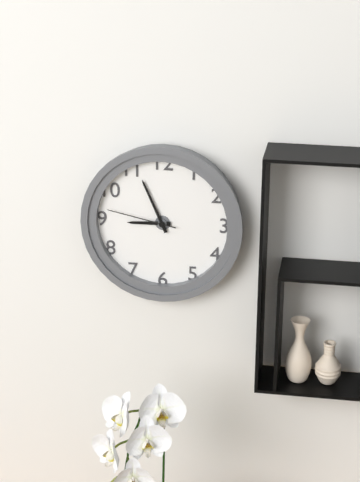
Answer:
8:56:47
